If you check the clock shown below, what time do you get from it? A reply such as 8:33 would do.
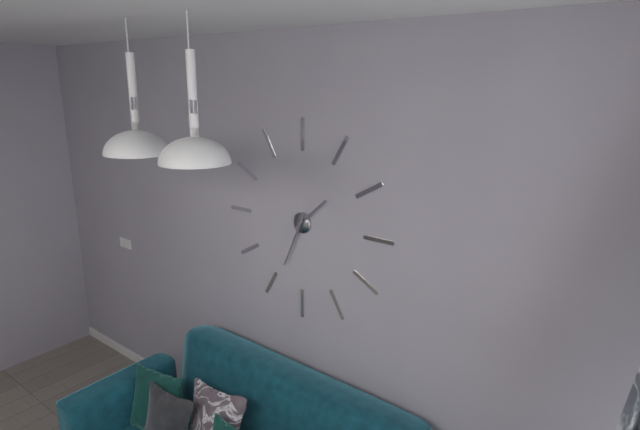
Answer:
1:34
